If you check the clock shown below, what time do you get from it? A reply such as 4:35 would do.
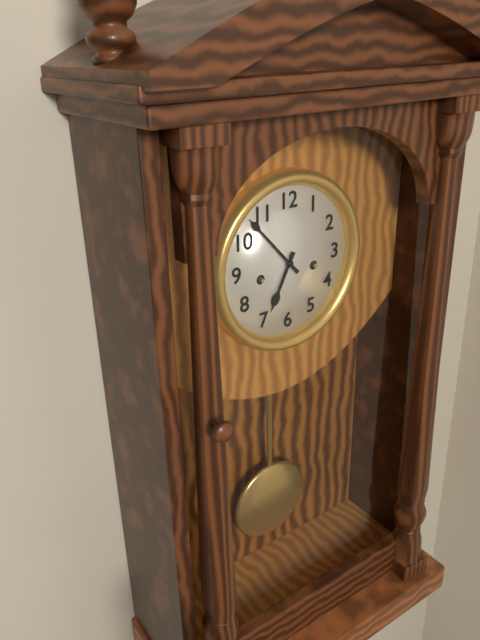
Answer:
6:53
